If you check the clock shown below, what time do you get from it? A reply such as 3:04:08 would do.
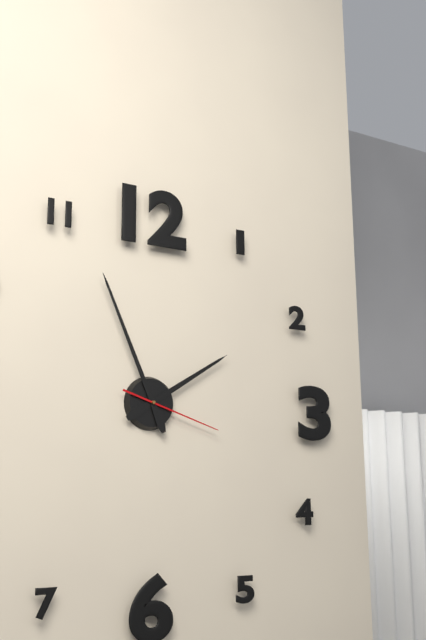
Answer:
1:56:18
